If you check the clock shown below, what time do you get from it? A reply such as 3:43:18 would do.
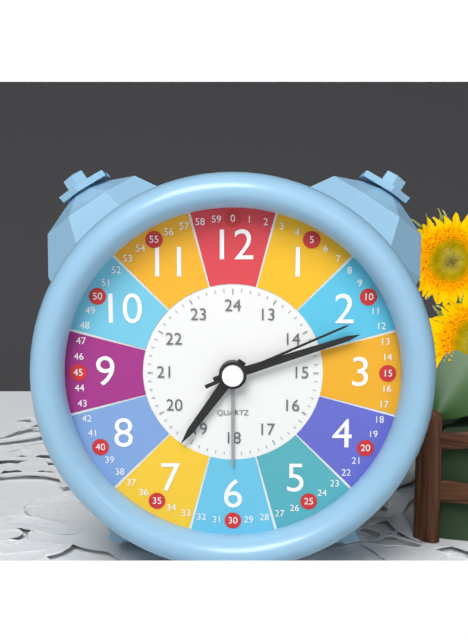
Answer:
7:12:11
